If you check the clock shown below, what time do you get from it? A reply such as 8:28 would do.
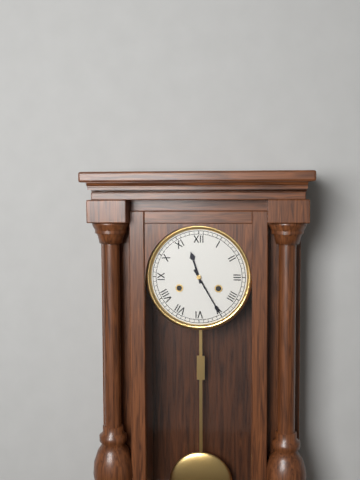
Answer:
11:25
